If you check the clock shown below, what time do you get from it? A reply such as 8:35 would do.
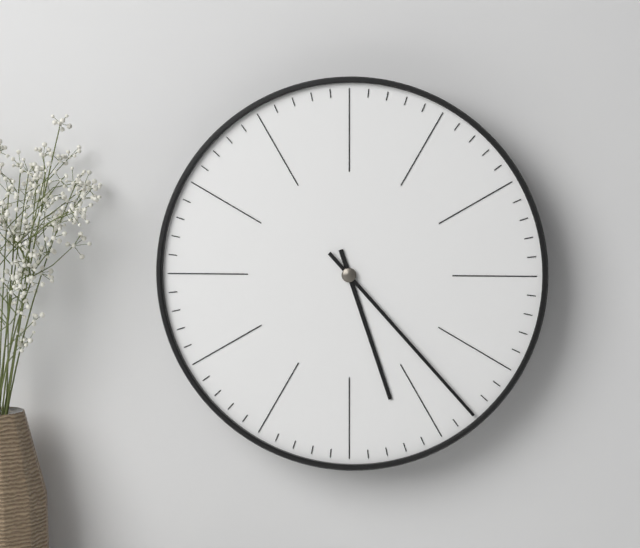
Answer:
5:23
